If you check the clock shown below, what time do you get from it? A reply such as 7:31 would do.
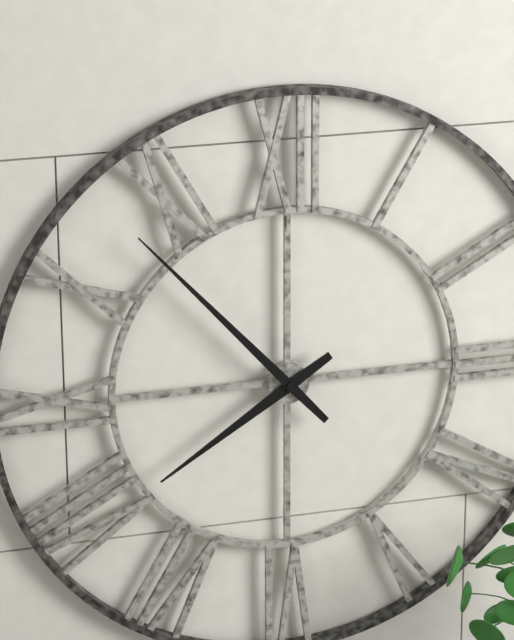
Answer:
7:53
